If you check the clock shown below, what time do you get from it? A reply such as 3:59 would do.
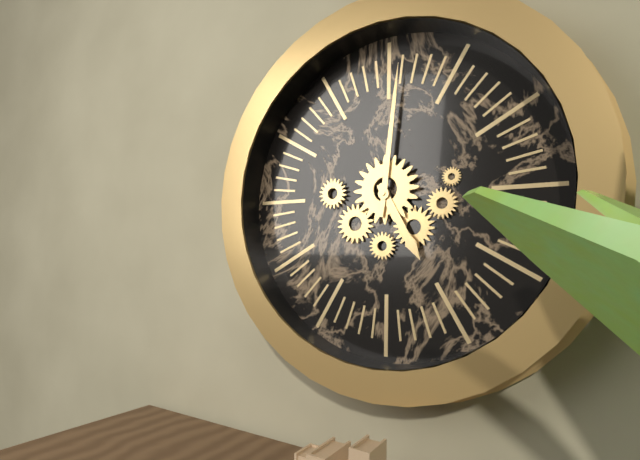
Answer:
5:01
